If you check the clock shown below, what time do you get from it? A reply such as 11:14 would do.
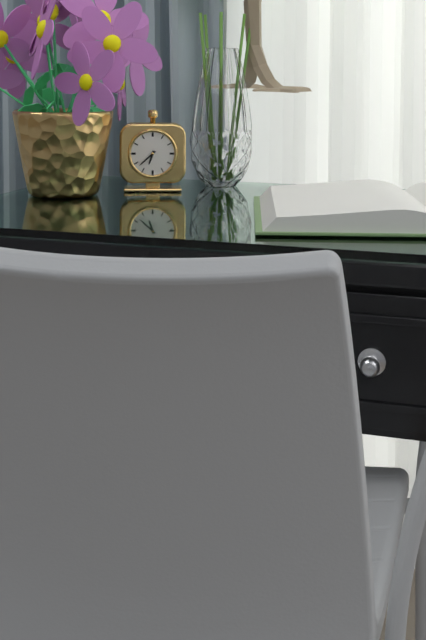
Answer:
6:38
